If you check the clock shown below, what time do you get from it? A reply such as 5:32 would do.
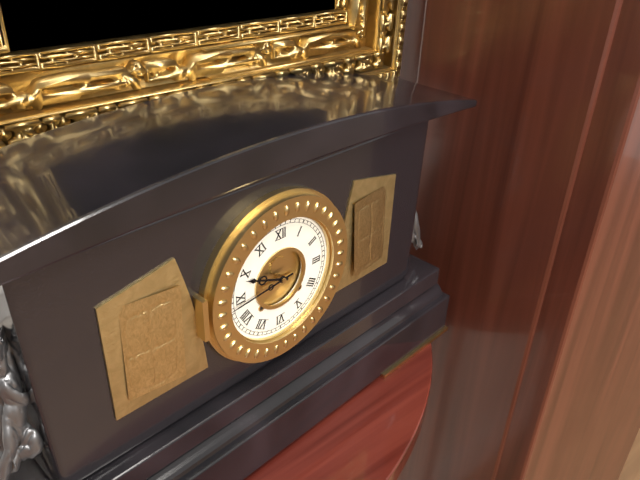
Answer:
9:44
